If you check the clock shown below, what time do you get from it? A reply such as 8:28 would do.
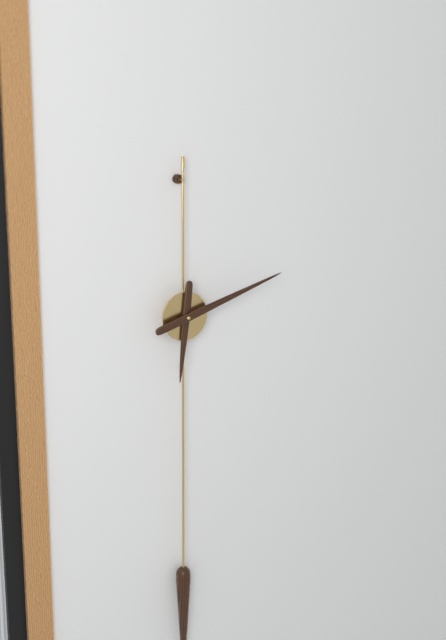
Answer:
6:12
